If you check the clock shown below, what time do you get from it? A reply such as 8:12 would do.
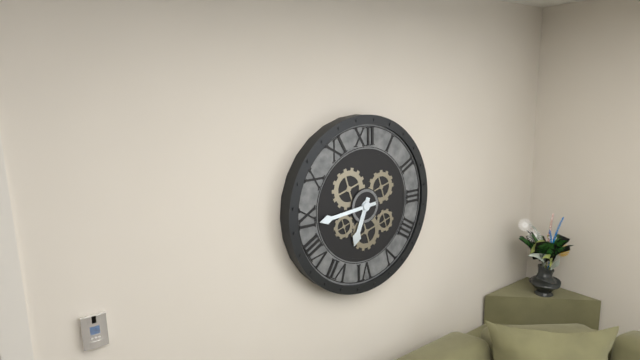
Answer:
6:44
